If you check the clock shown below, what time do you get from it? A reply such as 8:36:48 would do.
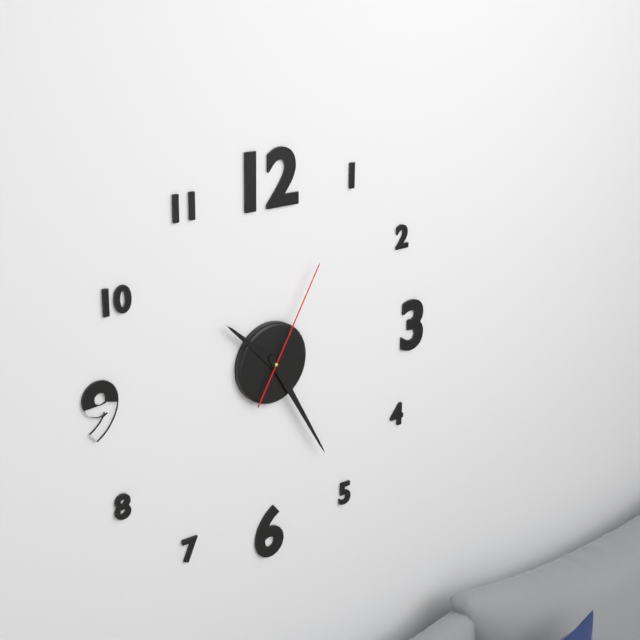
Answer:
10:25:05
